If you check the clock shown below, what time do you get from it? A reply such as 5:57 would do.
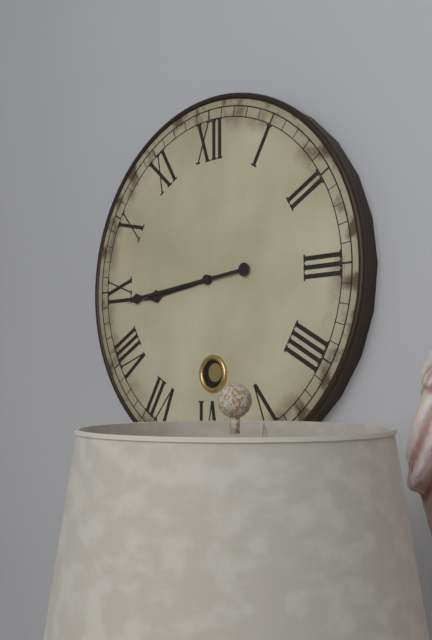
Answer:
8:44
